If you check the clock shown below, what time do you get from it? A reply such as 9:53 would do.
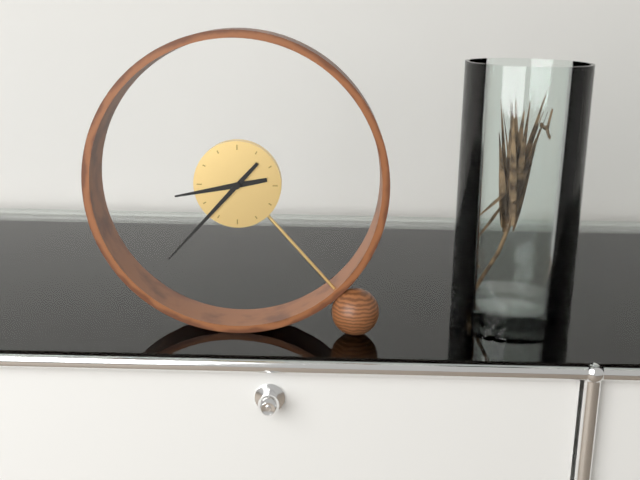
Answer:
8:37
